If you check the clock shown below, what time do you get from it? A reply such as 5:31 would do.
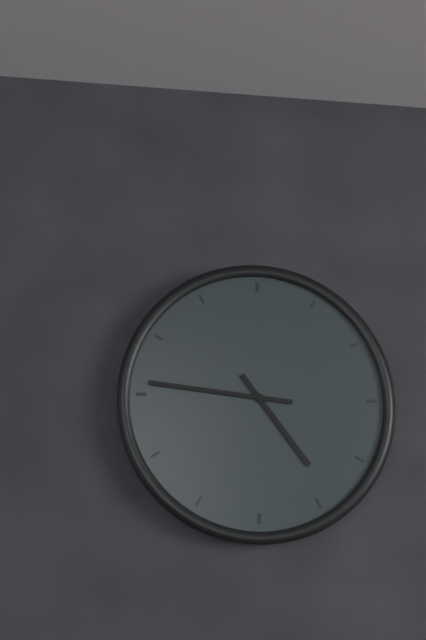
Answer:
4:46
